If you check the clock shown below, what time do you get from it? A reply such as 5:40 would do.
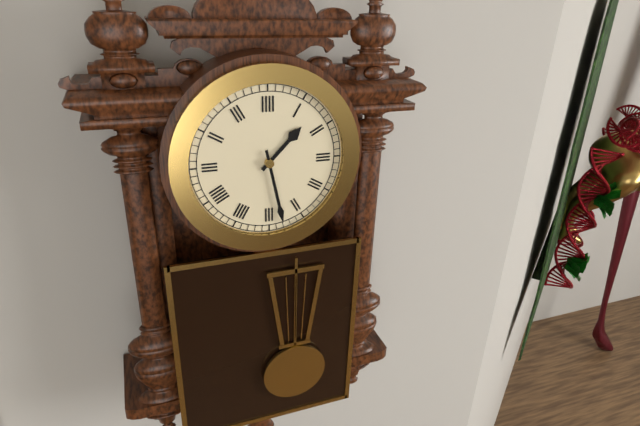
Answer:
1:28
